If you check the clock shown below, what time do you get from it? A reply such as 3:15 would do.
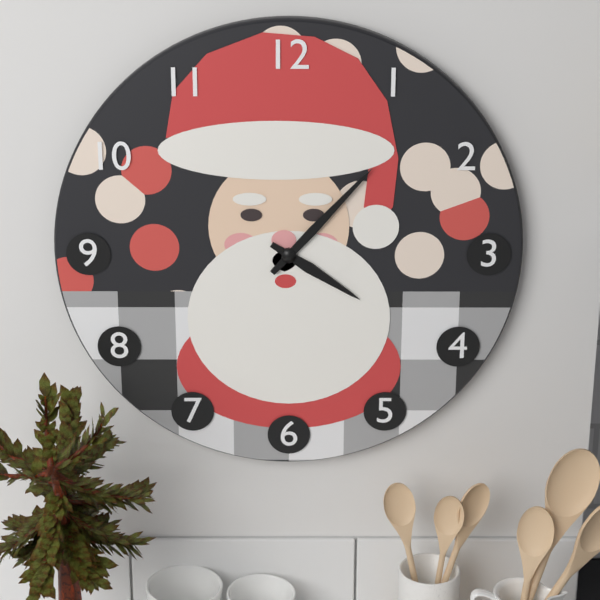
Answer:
4:07
